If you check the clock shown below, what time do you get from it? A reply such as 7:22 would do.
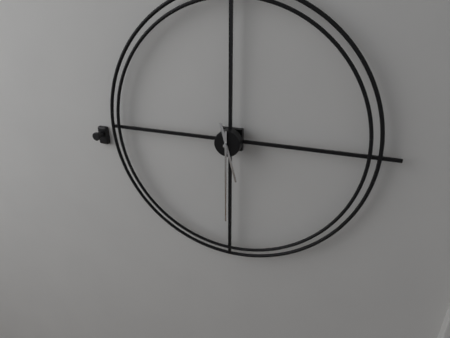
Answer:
5:30
